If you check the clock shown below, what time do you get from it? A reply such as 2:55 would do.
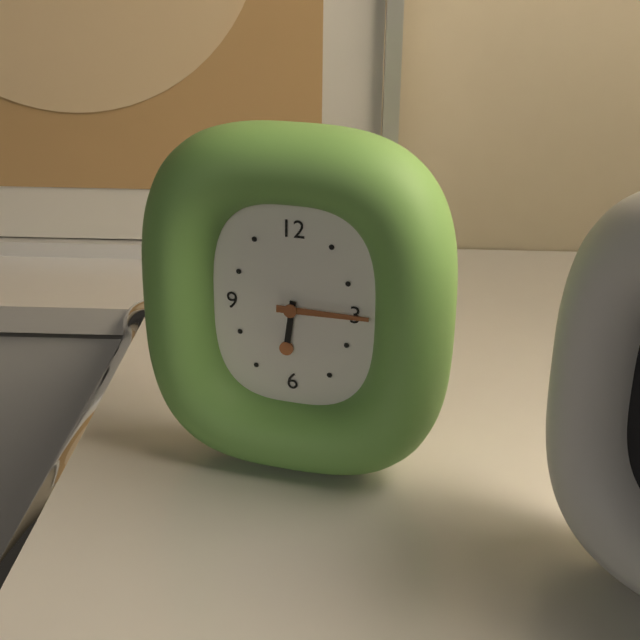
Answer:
6:15
